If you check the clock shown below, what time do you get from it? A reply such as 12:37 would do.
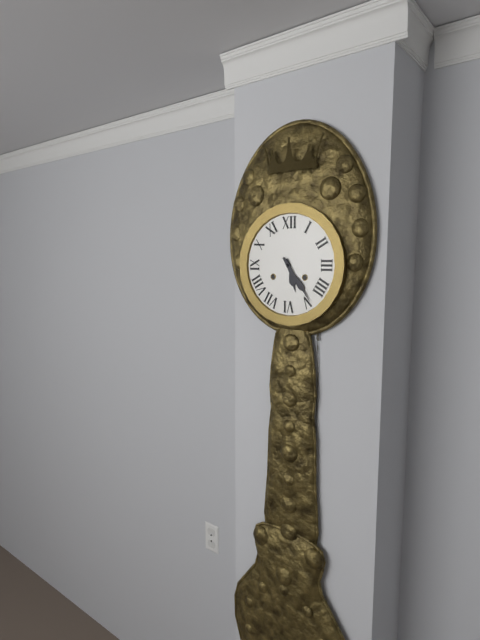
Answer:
5:24
